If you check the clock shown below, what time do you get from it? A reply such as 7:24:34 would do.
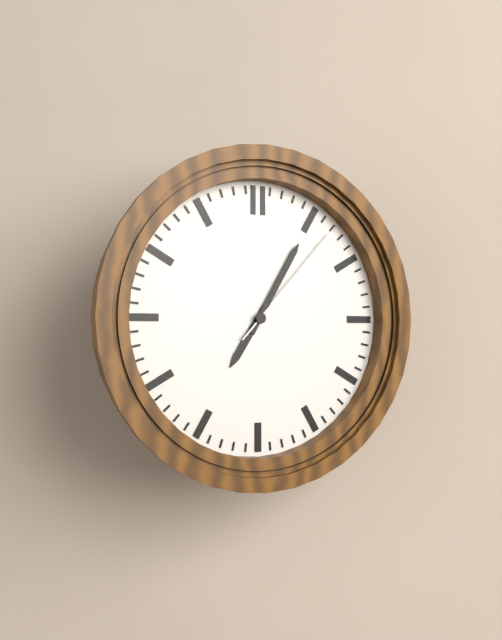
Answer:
7:05:07
